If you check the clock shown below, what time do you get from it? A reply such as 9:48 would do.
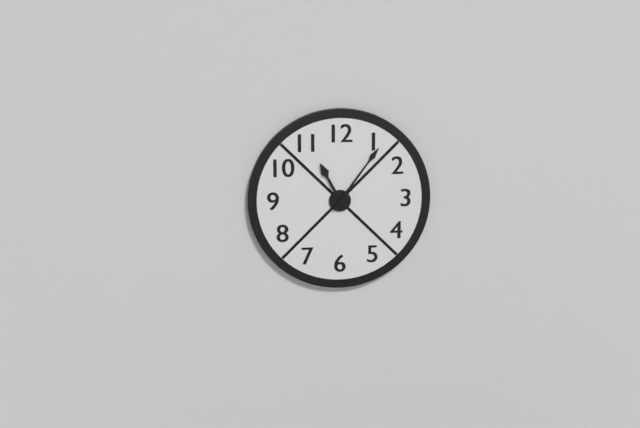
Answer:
11:06
